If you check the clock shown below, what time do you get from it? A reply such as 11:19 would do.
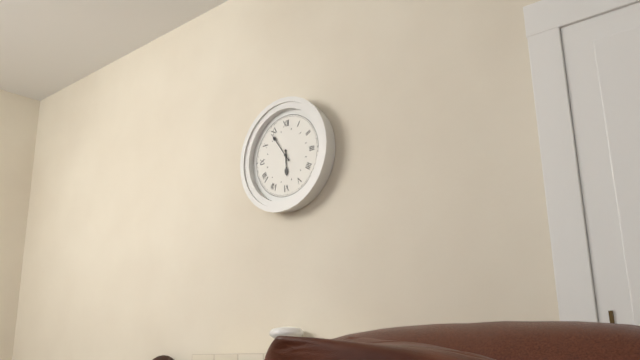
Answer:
5:54
